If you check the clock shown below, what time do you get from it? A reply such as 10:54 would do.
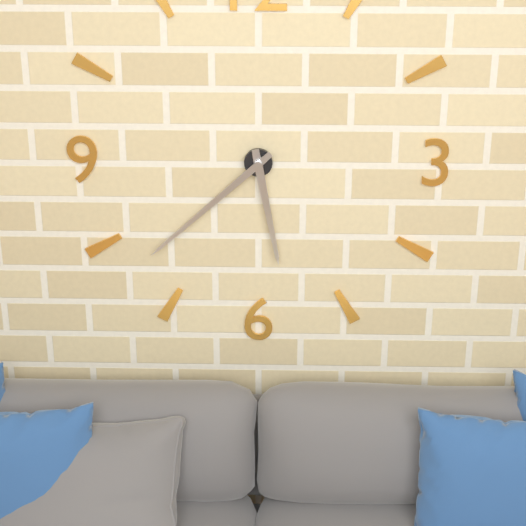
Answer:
5:38
